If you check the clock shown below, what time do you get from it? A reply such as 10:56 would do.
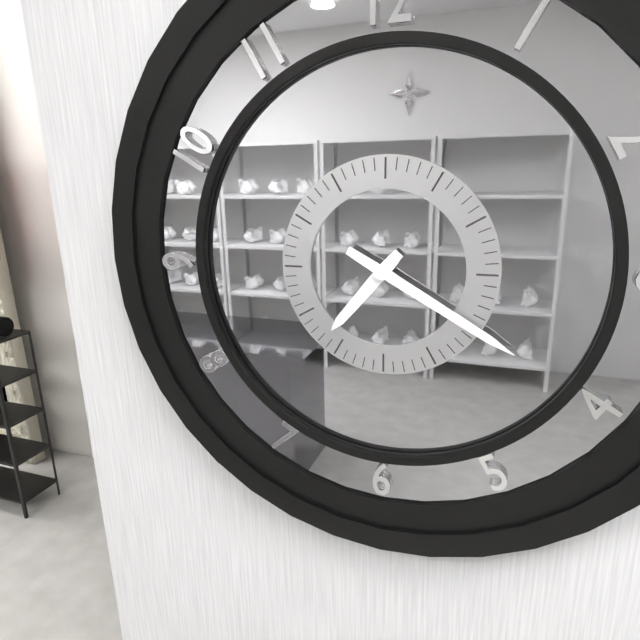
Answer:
7:20
